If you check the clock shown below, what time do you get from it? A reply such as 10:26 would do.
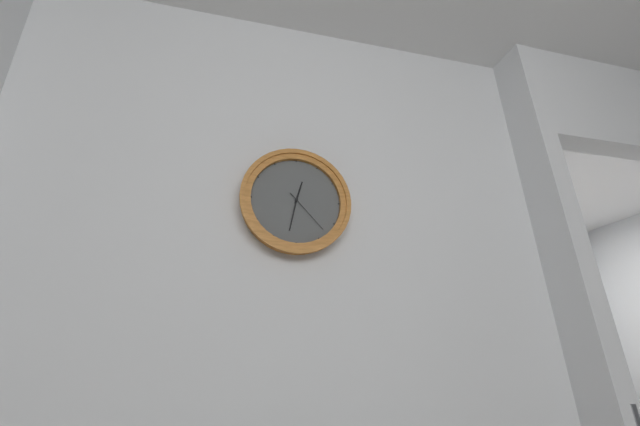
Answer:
12:32
